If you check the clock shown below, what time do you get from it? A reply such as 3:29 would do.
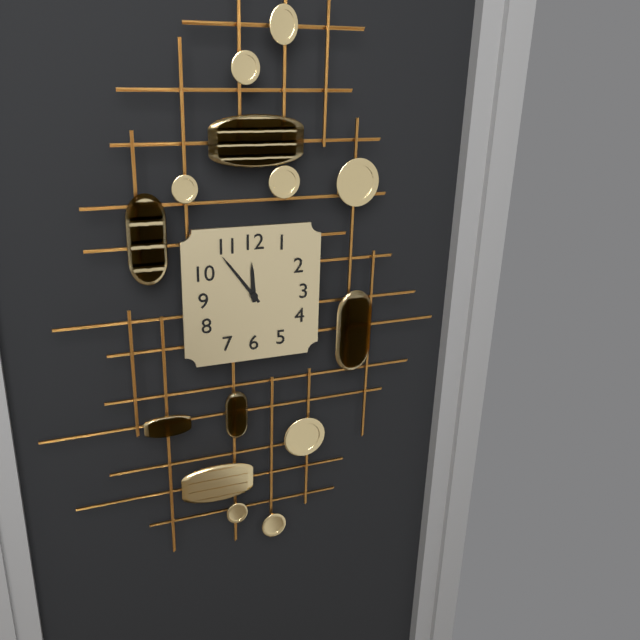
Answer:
11:54
